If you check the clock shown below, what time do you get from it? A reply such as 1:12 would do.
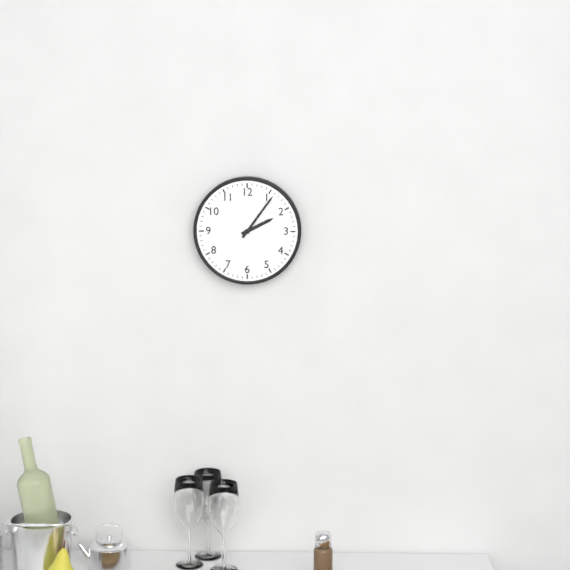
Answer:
2:06
